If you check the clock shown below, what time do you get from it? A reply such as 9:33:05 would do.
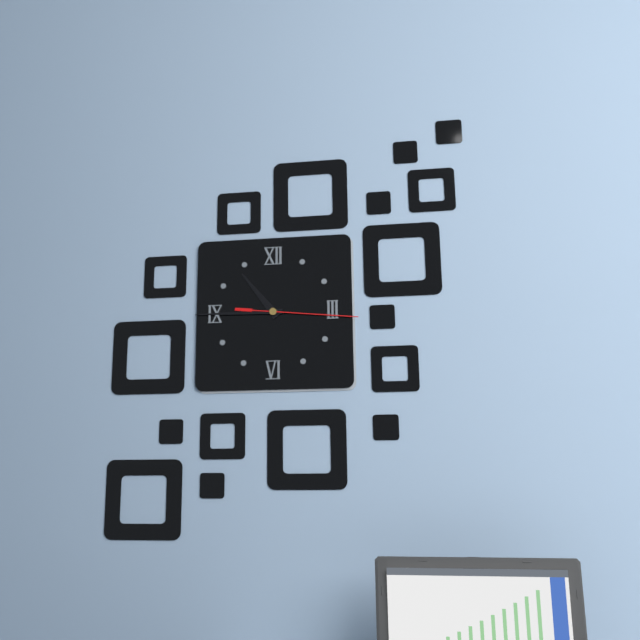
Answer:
10:45:16
